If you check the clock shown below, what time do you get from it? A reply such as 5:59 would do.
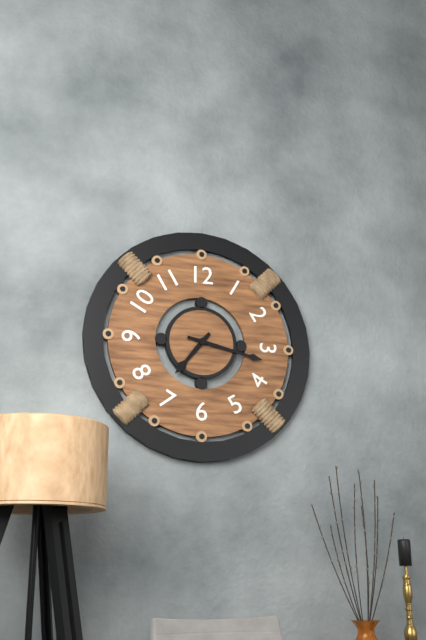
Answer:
7:17
